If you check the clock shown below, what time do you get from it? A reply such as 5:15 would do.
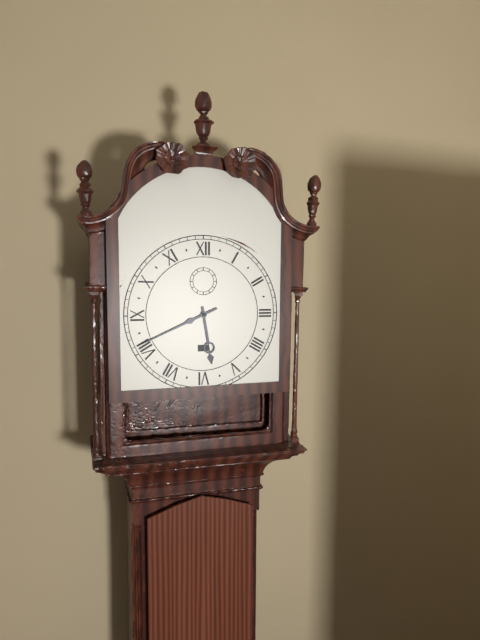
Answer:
5:41
